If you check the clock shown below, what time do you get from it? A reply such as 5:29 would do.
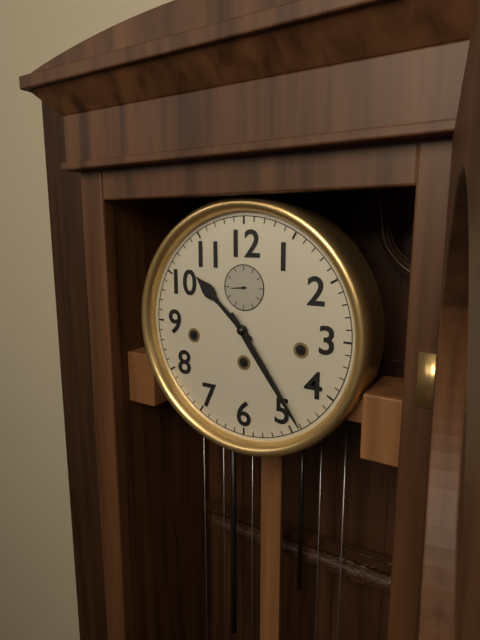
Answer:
10:24
